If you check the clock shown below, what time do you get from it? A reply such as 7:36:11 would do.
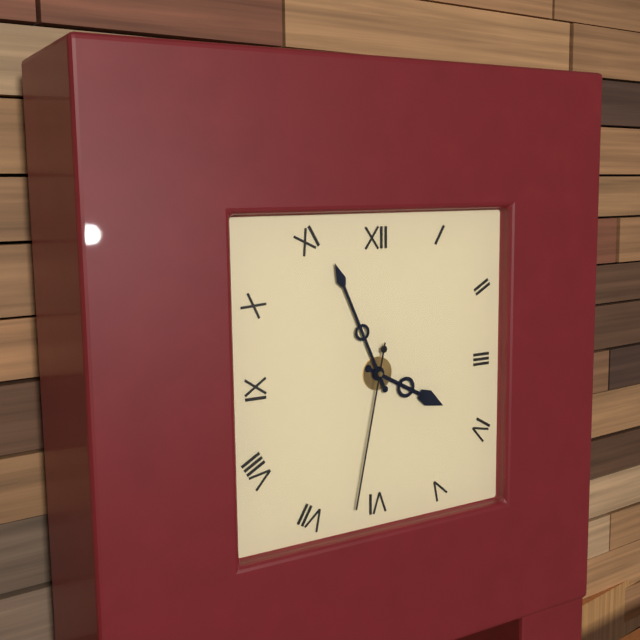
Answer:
3:56:32
